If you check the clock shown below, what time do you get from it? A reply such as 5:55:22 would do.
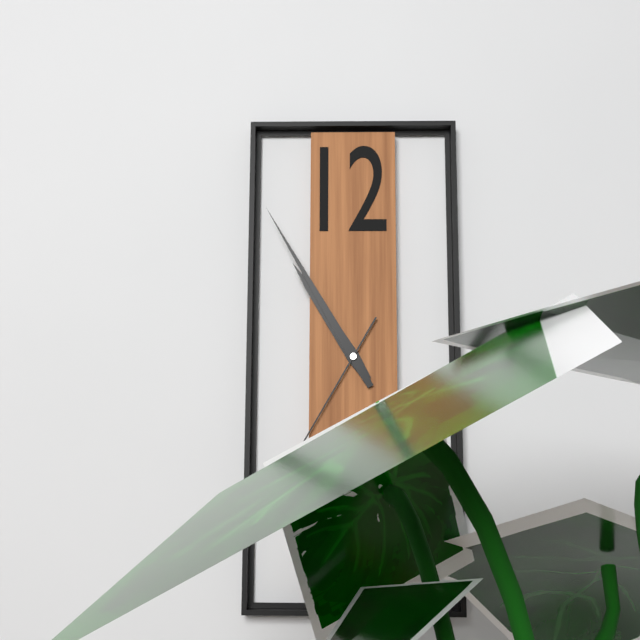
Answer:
10:55:35
